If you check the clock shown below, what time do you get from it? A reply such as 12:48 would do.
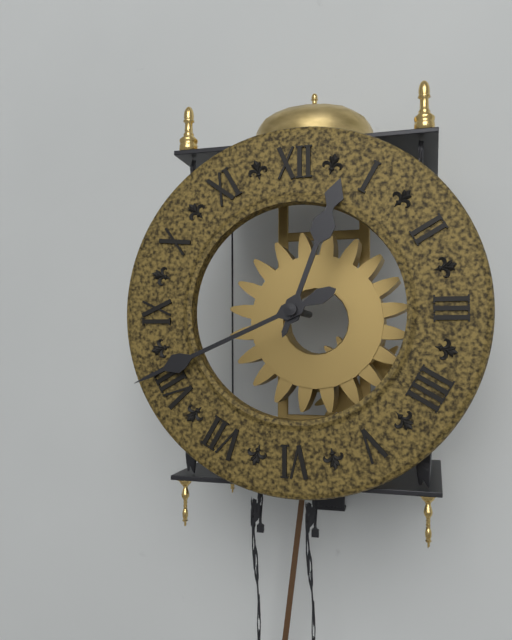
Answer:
12:41
